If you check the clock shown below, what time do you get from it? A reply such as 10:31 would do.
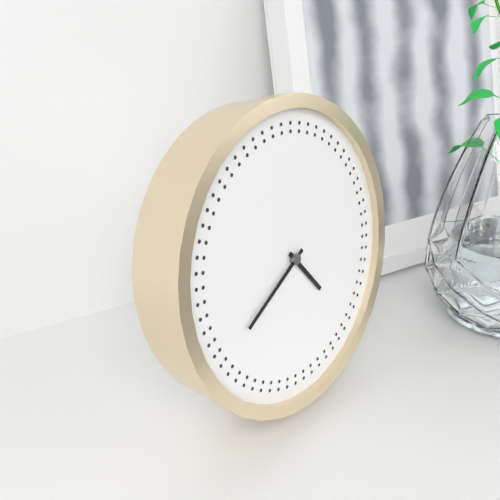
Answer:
4:40
